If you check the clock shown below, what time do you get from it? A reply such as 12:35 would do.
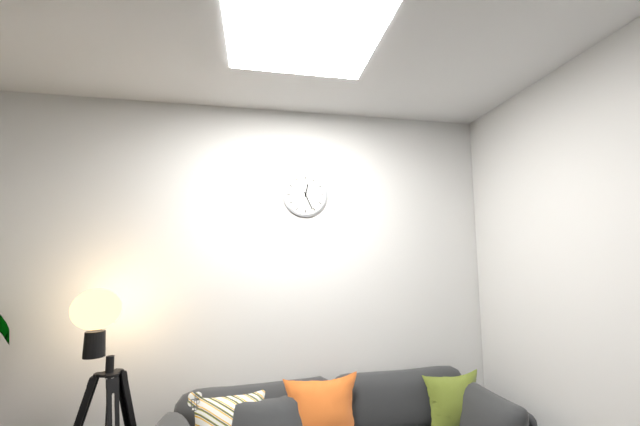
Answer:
12:26
